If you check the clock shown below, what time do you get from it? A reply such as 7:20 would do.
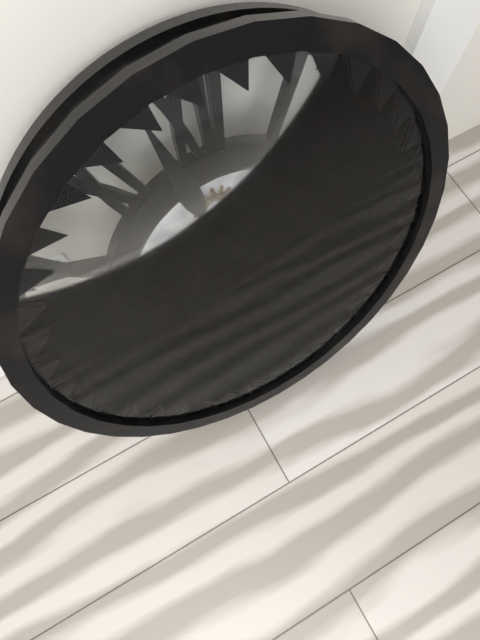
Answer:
4:58
